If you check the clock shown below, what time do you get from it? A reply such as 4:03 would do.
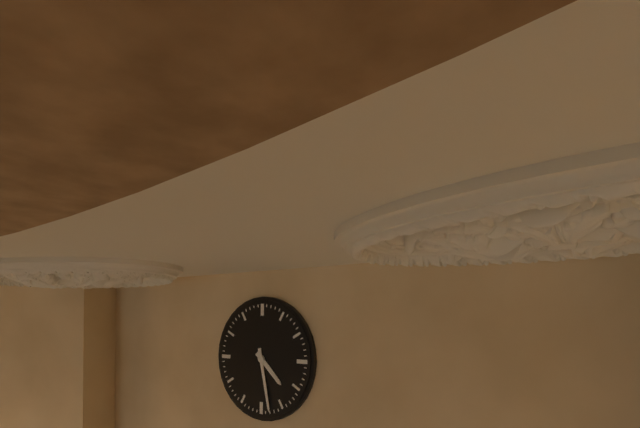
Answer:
4:28
